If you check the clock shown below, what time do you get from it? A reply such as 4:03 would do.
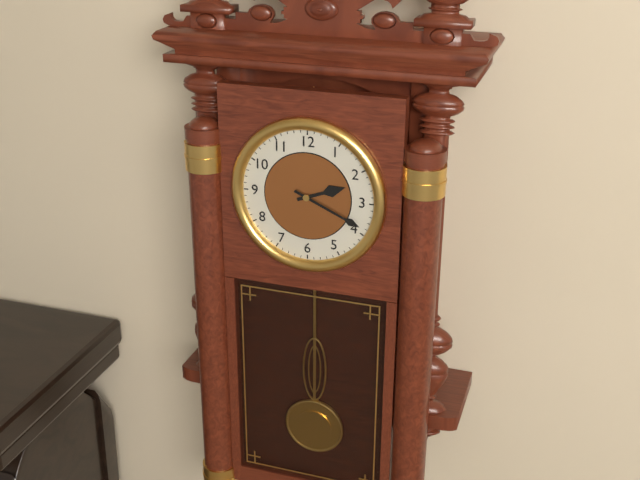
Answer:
2:19
